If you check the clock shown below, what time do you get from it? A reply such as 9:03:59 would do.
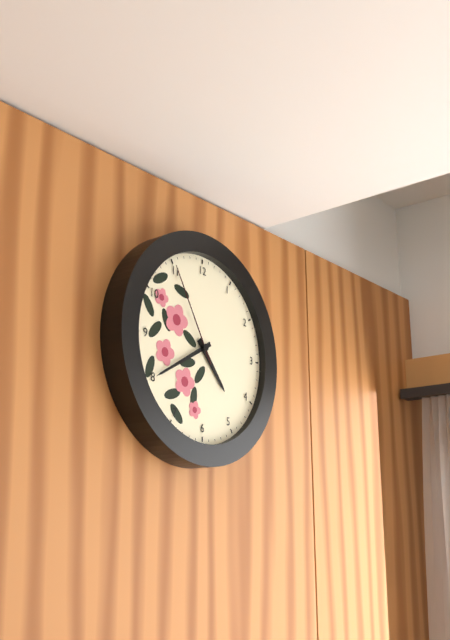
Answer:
4:40:55
